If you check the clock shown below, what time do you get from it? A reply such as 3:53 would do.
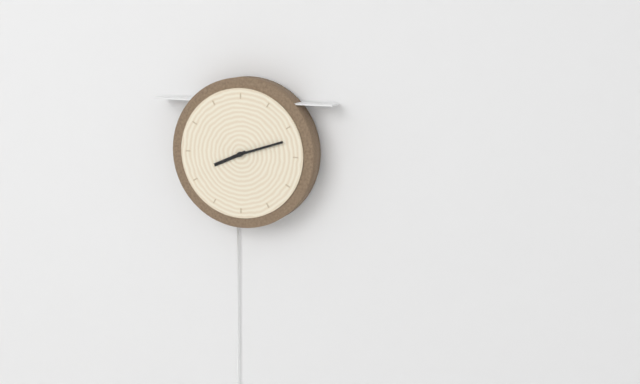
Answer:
8:12
